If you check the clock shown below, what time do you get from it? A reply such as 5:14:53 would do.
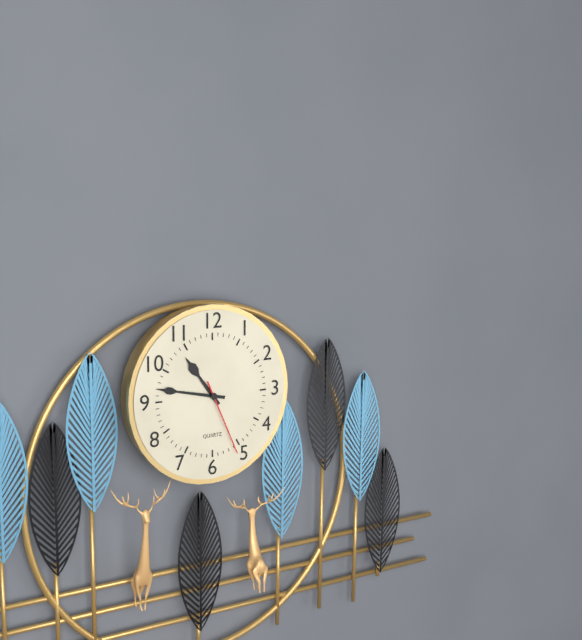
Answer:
10:47:26
